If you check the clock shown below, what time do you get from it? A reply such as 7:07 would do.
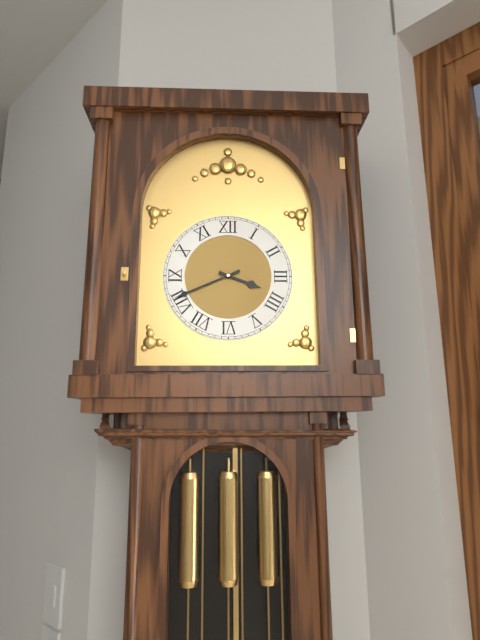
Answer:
3:41
